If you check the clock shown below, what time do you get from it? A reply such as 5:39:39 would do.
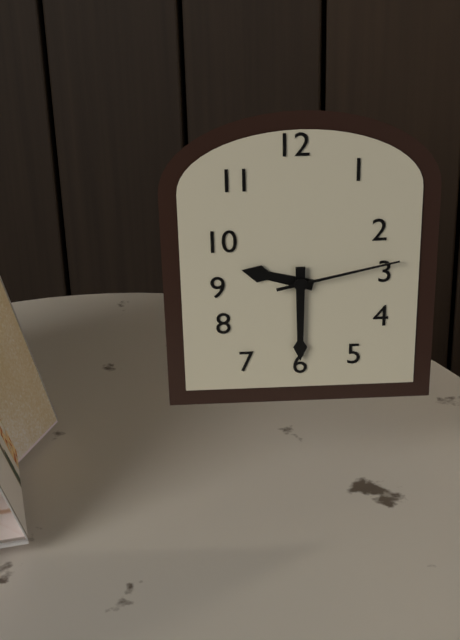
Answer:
9:30:13
